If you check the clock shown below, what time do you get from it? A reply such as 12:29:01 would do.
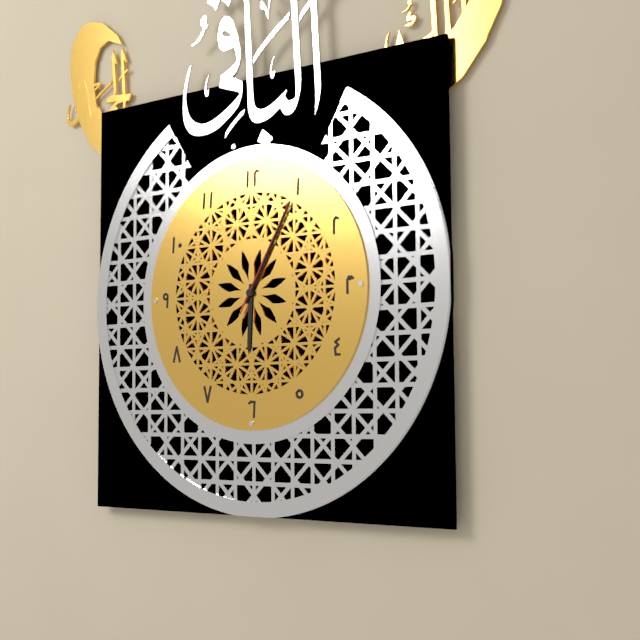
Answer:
6:05:05
